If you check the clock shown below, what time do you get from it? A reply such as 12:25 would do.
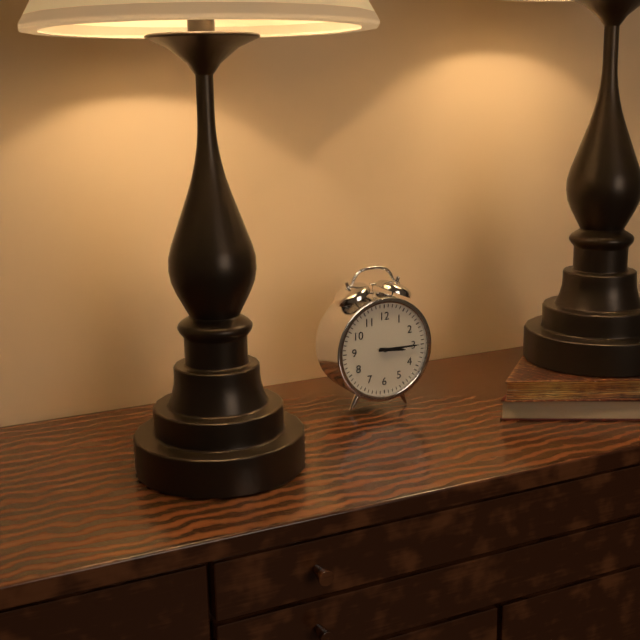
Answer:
3:15
